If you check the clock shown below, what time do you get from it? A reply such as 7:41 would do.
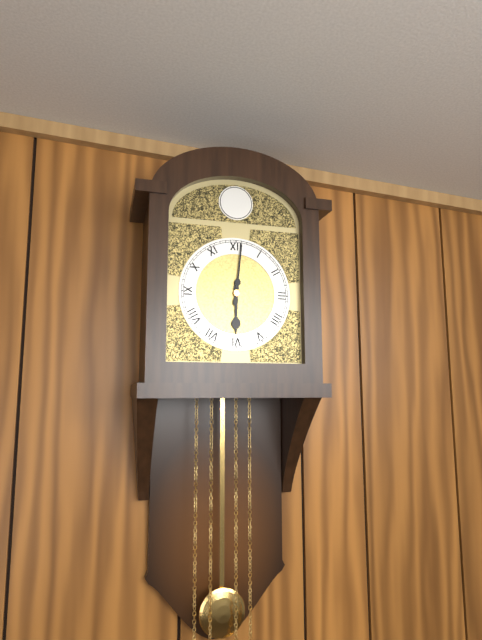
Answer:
6:01
